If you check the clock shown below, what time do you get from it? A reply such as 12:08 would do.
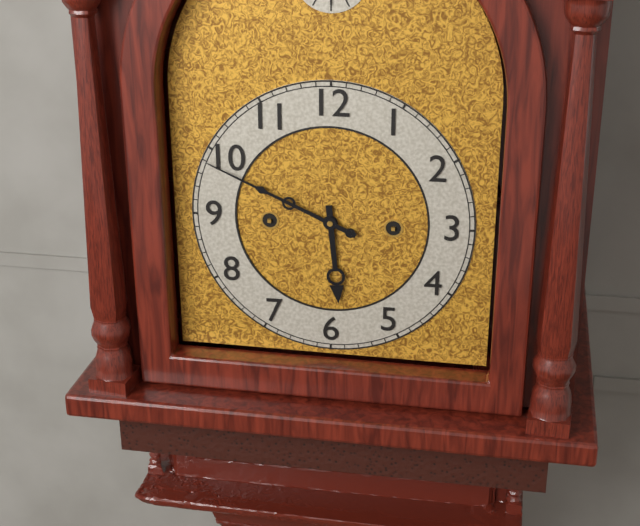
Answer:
5:49
